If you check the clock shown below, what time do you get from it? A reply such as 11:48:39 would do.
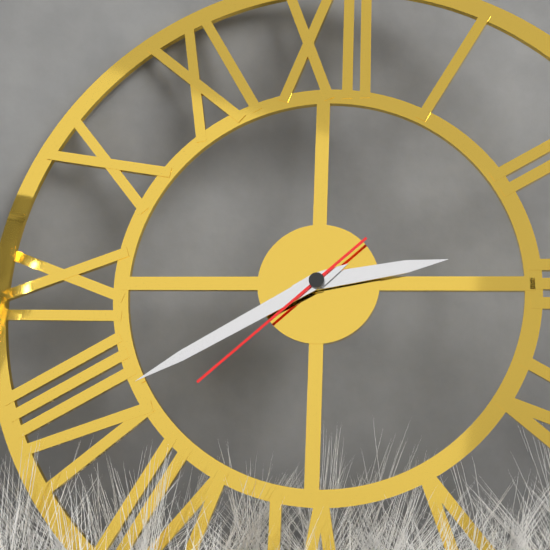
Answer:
2:40:38
